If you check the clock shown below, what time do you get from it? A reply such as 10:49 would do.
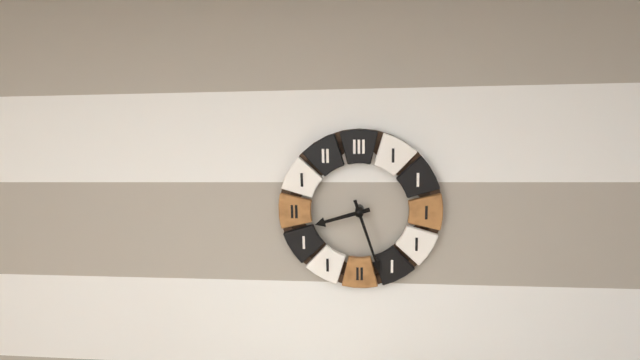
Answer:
8:27
